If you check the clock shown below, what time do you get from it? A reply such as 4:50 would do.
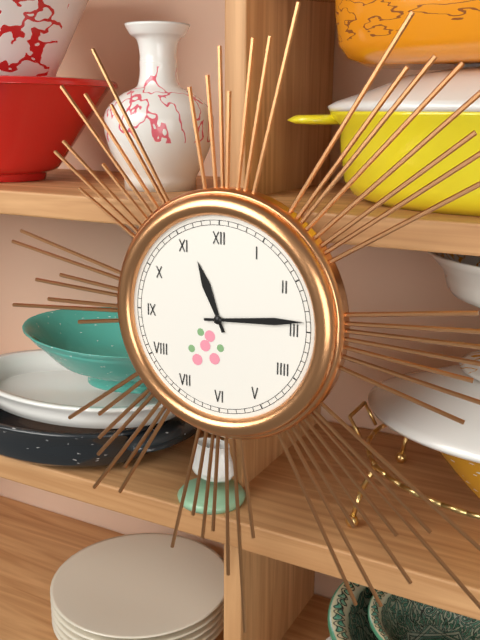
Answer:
11:14
